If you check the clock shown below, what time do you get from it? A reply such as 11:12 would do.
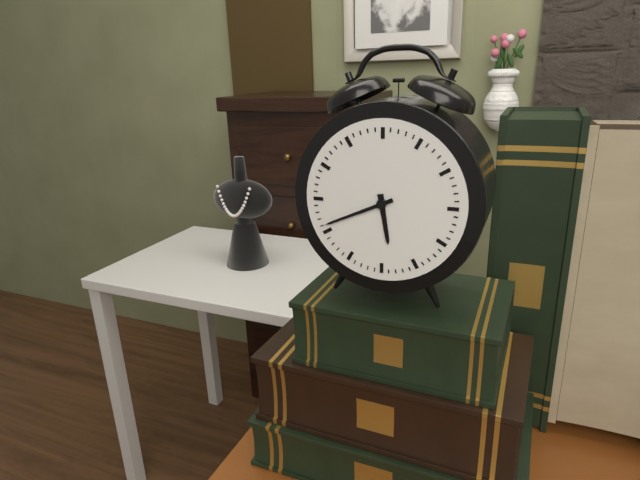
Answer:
5:41
